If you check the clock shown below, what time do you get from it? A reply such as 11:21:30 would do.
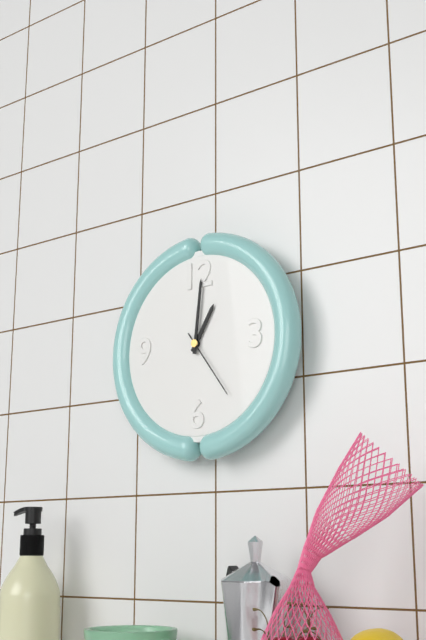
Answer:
1:01:24
